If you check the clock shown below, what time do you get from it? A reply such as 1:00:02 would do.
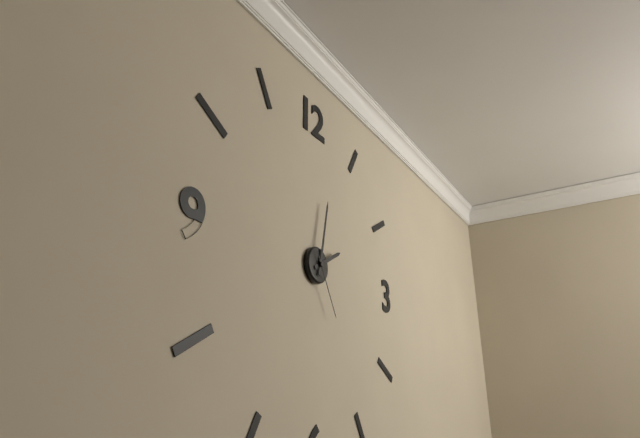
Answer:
2:02:25
